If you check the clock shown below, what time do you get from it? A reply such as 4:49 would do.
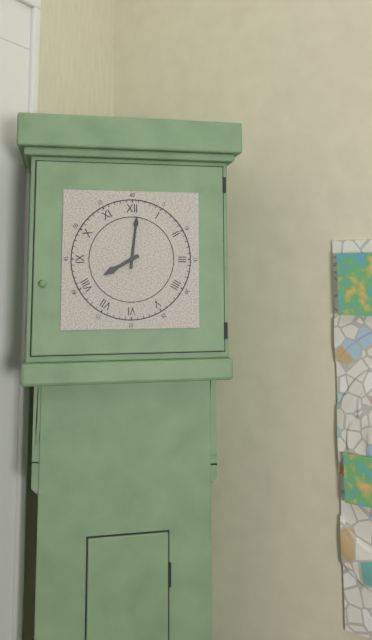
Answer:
8:01
